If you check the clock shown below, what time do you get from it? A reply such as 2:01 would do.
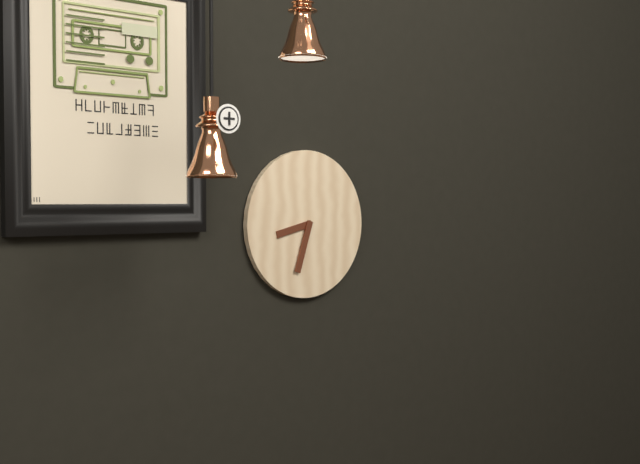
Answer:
8:33
